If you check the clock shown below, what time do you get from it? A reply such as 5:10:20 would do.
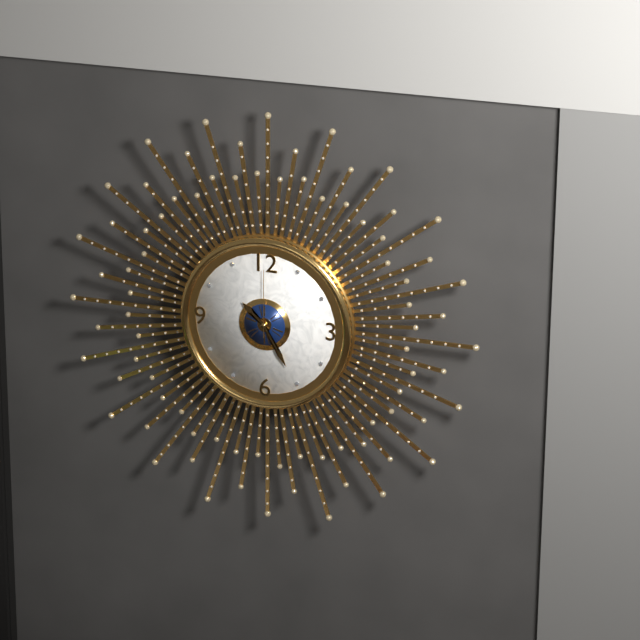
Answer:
10:25:00
